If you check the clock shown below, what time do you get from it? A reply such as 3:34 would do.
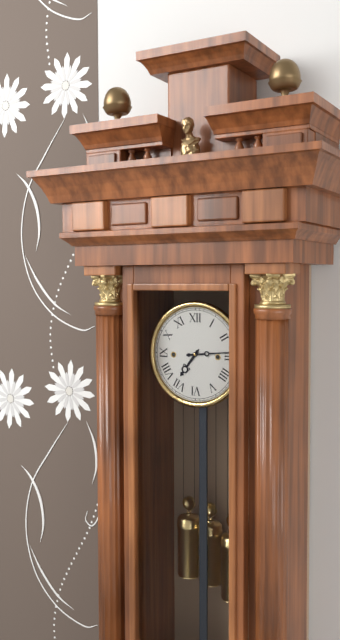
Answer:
7:14
